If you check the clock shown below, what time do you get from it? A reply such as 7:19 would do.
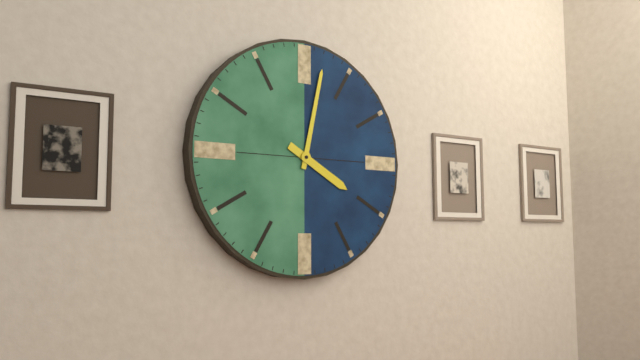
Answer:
4:02
